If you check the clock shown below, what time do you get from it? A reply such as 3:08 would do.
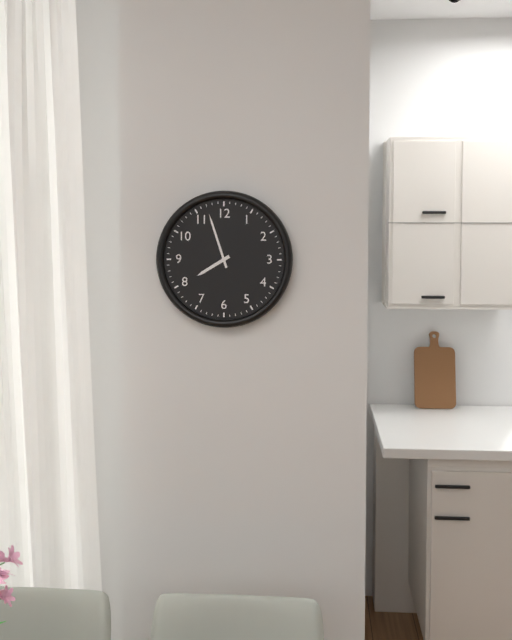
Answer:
7:57
